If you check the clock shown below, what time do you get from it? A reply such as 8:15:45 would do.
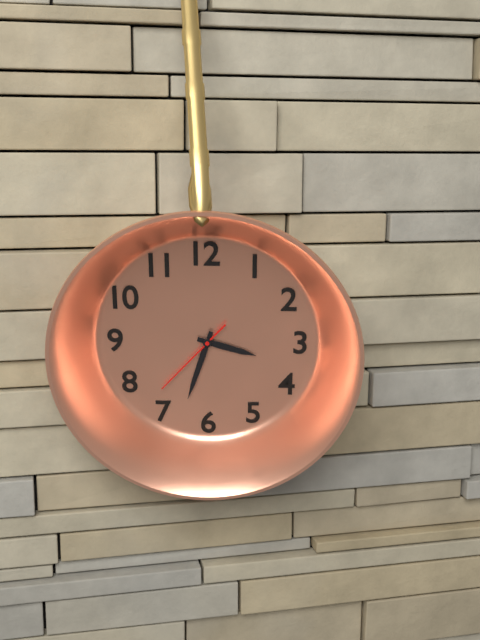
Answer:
3:33:37
